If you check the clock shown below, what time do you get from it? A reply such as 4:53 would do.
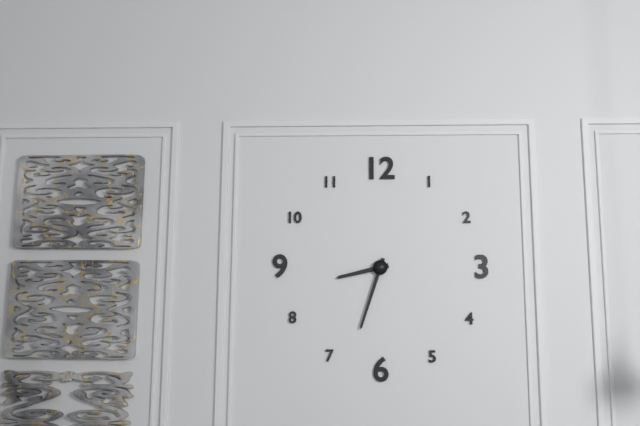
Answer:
8:33
